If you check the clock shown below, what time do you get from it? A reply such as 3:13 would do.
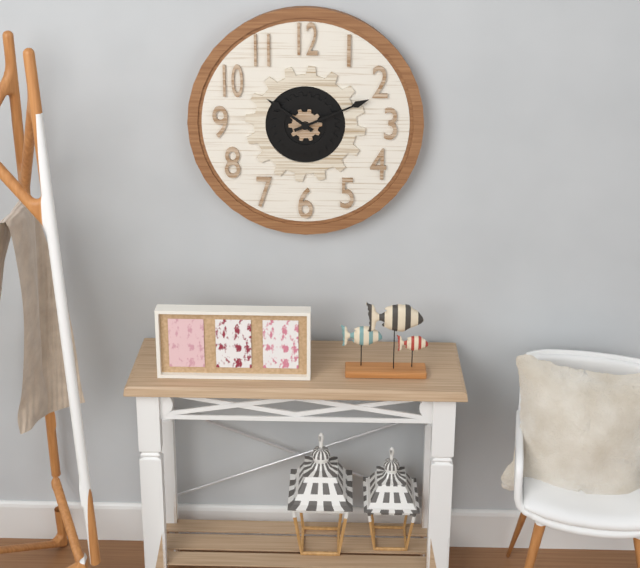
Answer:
10:11
